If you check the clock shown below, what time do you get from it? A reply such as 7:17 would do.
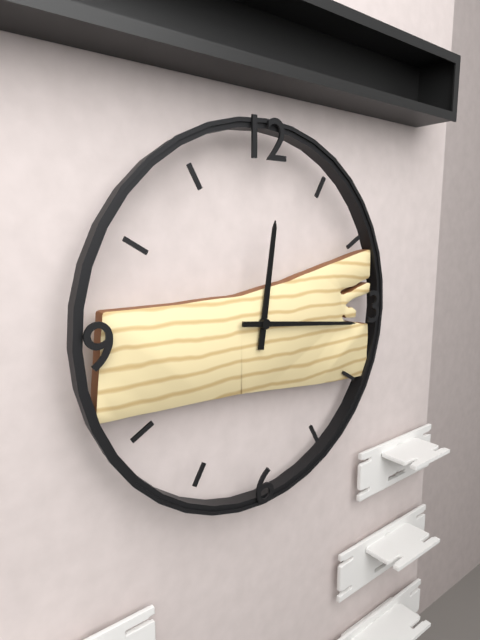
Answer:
12:16
